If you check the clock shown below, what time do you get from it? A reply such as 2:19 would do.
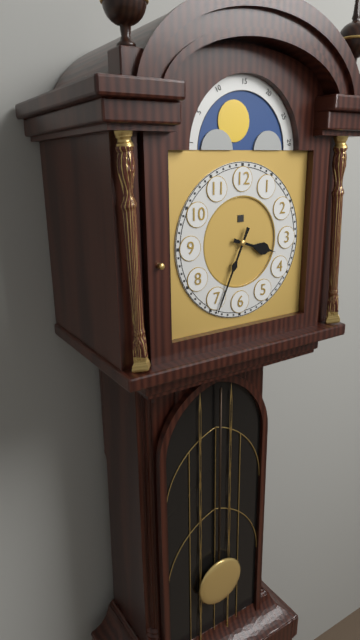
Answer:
3:34
